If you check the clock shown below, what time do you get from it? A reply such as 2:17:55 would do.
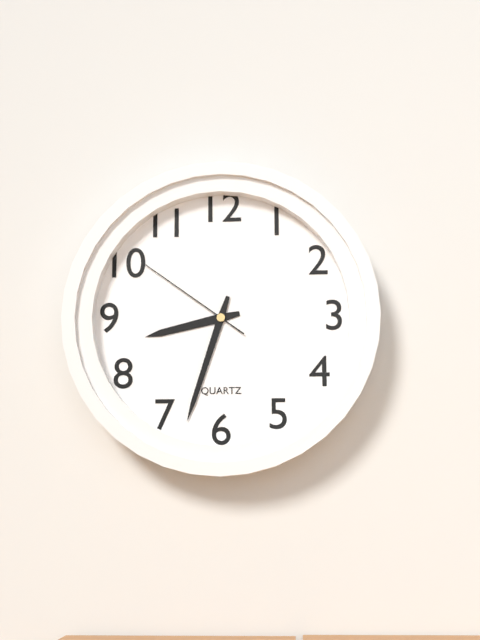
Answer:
8:33:51
